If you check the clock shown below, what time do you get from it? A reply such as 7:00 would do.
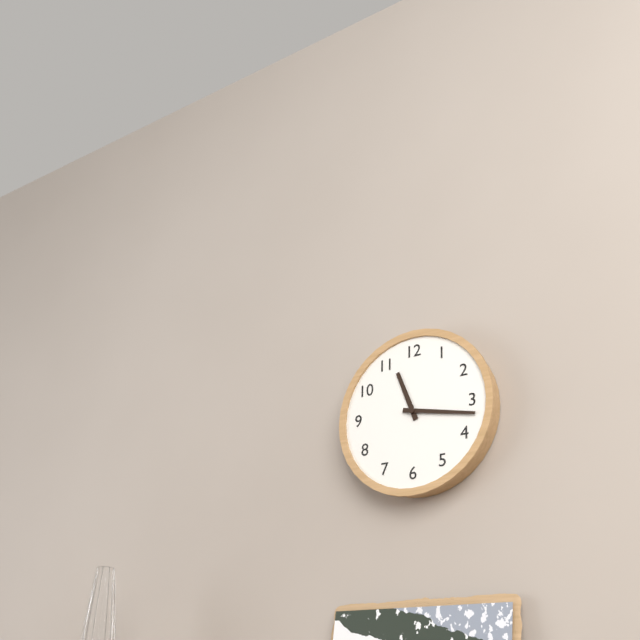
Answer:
11:17
